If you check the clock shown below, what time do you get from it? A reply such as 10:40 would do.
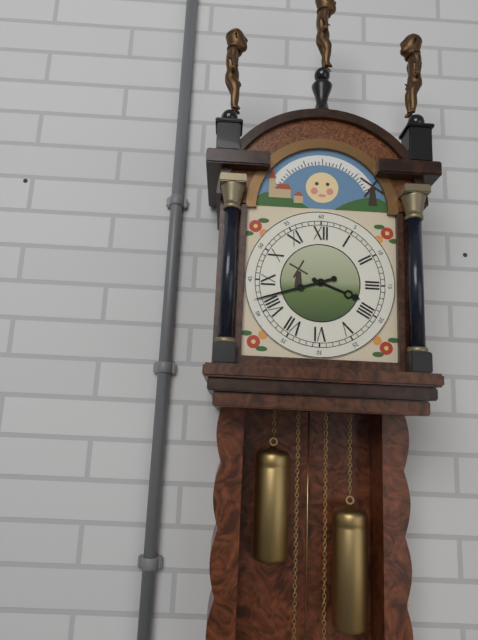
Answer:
3:42
